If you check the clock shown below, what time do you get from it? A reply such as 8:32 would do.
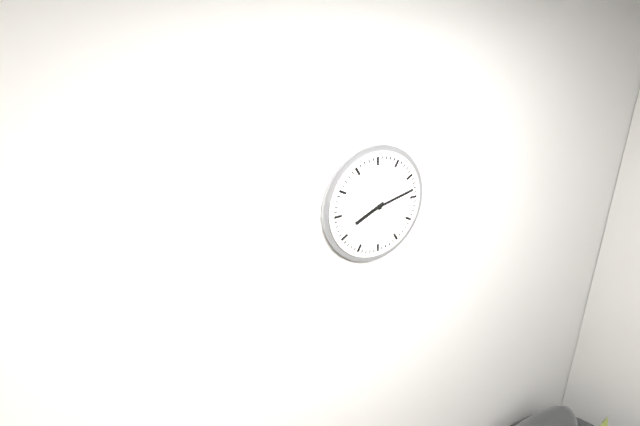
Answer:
8:13
